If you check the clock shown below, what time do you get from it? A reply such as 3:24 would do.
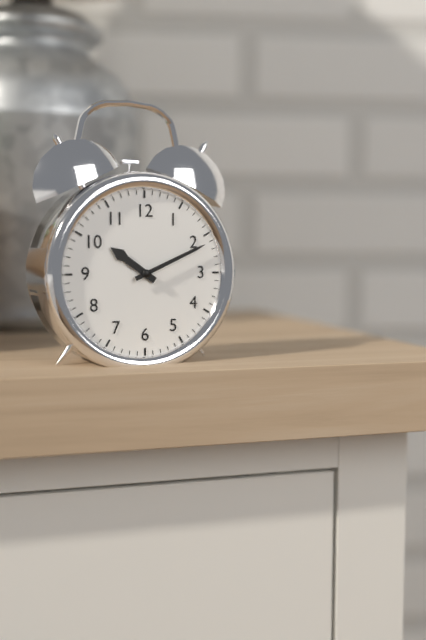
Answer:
10:11
